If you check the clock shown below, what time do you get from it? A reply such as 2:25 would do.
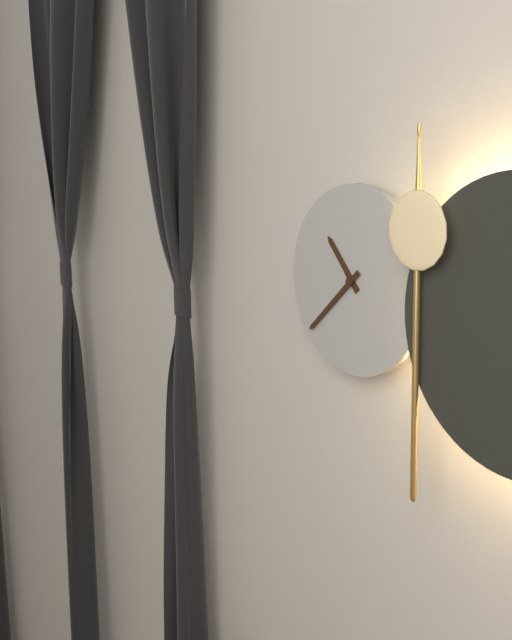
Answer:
10:38
